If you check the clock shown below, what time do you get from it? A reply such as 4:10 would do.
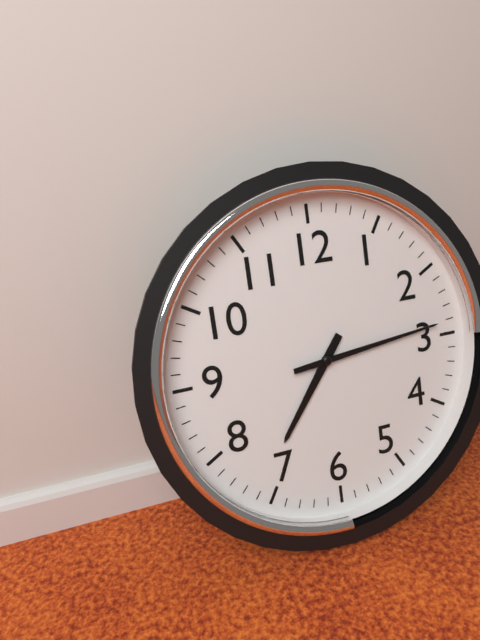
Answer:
7:14
